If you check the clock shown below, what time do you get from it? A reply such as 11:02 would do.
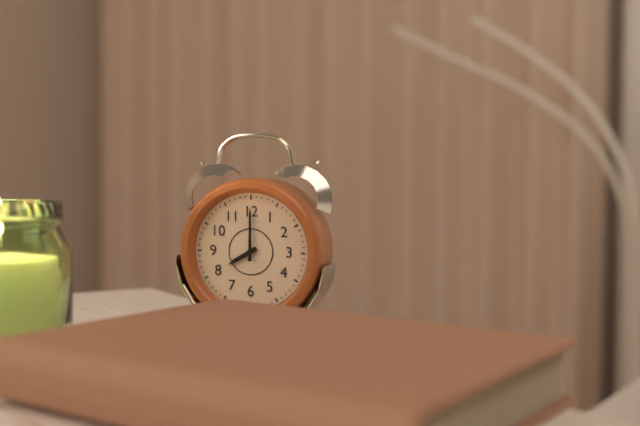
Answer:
8:00
